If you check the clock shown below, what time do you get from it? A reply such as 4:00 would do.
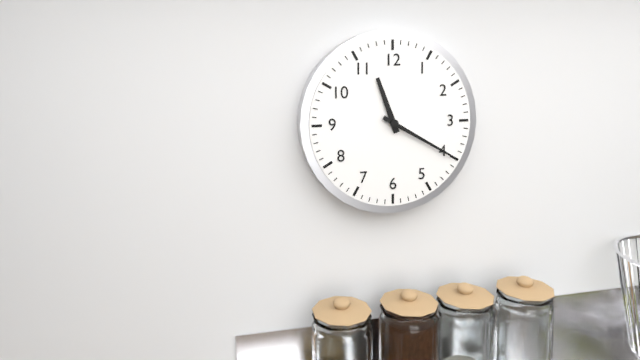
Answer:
11:20
